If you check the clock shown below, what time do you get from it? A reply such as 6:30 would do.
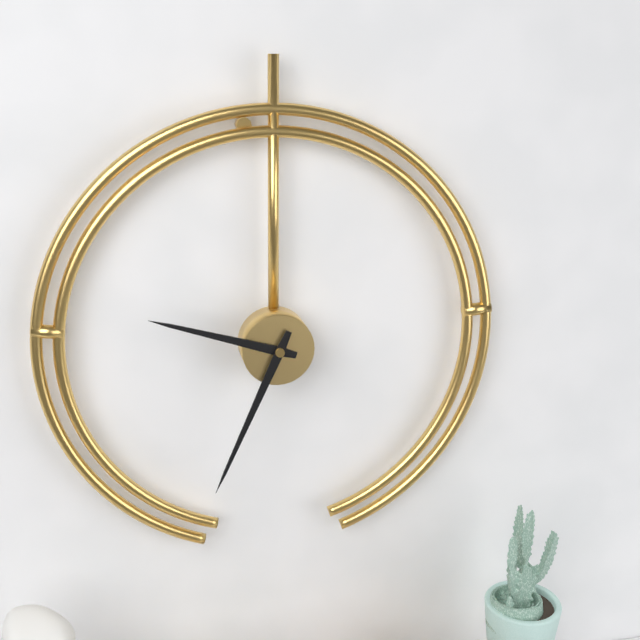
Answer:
9:34
